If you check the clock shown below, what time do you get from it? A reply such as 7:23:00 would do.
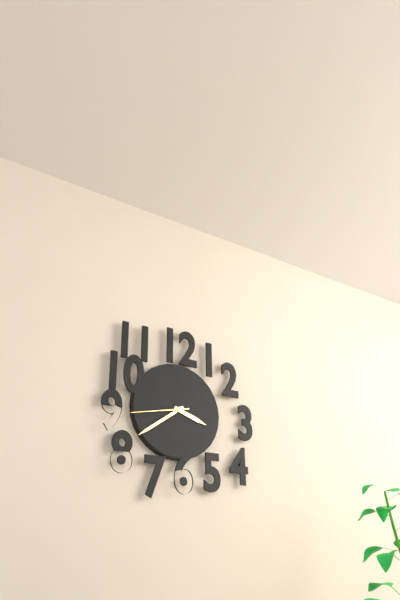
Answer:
3:39:43
